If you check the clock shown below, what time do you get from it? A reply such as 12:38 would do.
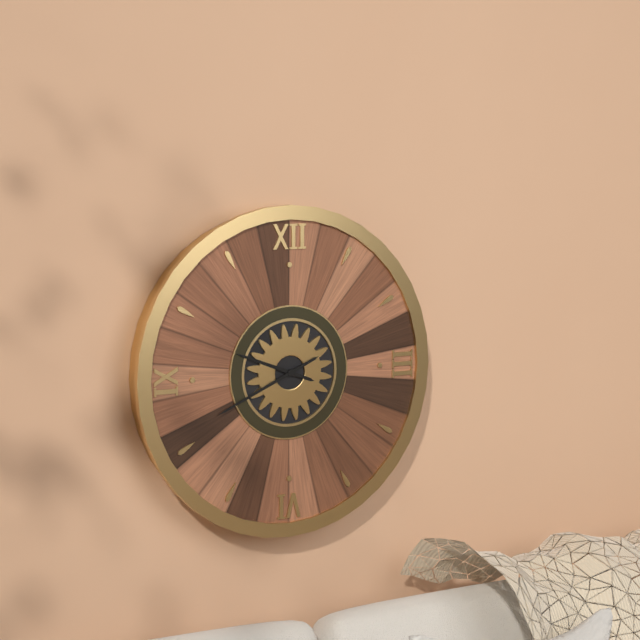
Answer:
9:41
